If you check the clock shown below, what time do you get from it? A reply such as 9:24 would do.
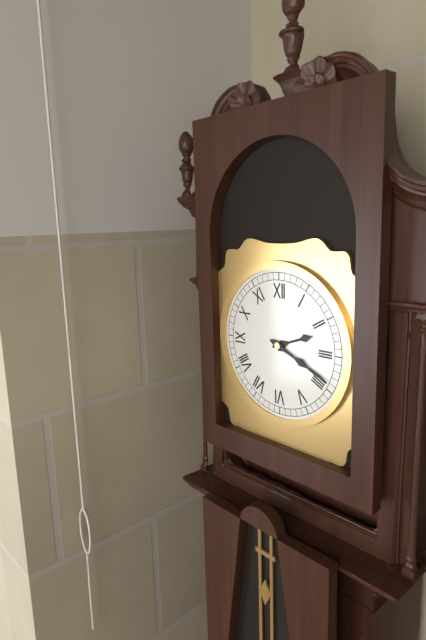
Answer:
2:19
